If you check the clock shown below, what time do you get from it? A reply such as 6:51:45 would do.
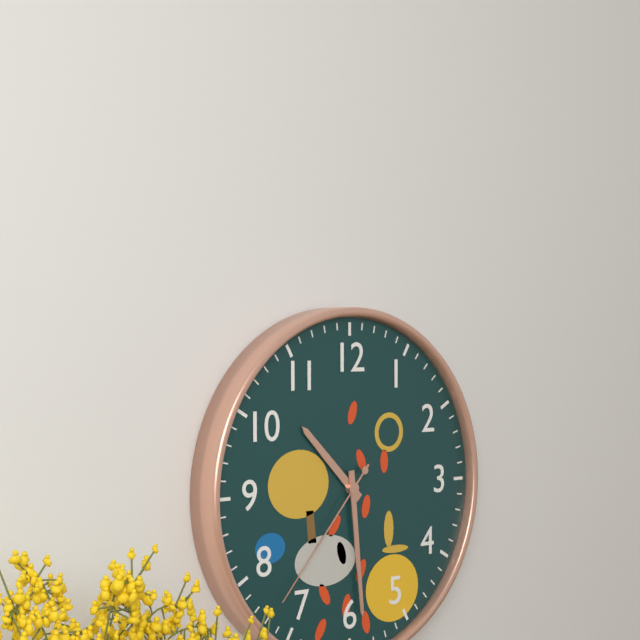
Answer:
10:29:37
